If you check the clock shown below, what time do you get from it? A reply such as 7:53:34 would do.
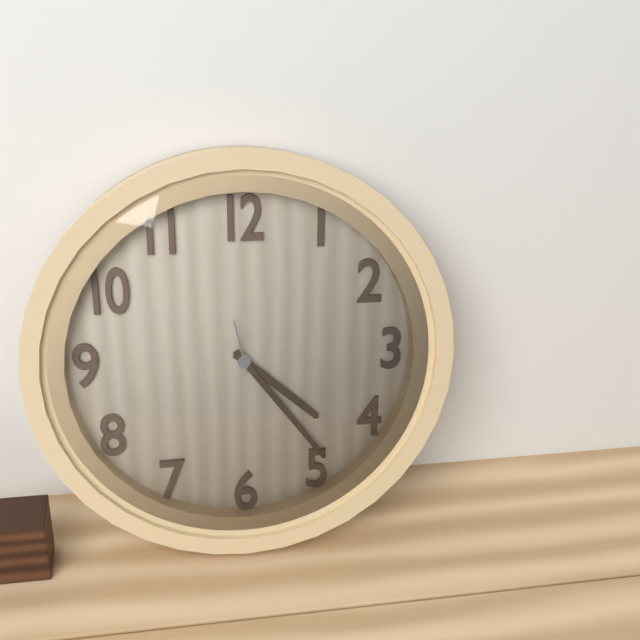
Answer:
4:24:58
